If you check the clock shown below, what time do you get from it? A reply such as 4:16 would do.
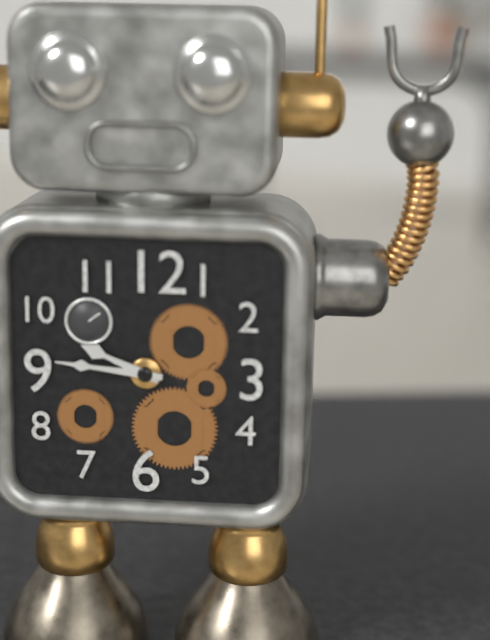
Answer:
9:46
